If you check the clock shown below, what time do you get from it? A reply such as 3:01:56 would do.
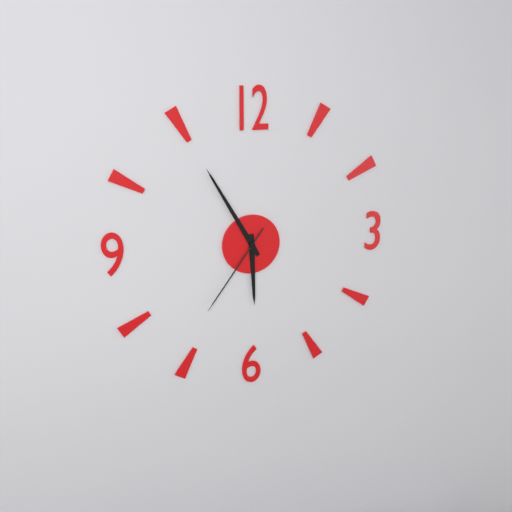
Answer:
5:55:36
